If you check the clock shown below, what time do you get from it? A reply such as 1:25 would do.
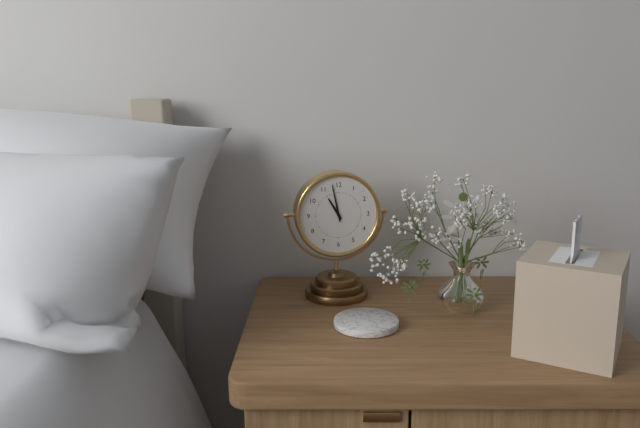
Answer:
10:58
